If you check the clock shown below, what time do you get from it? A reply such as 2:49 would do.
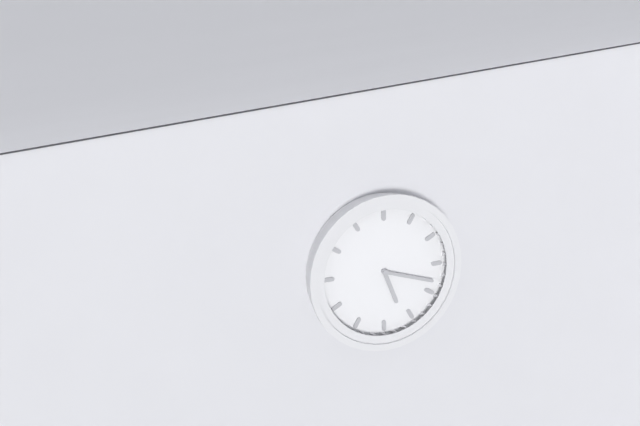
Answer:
5:18
